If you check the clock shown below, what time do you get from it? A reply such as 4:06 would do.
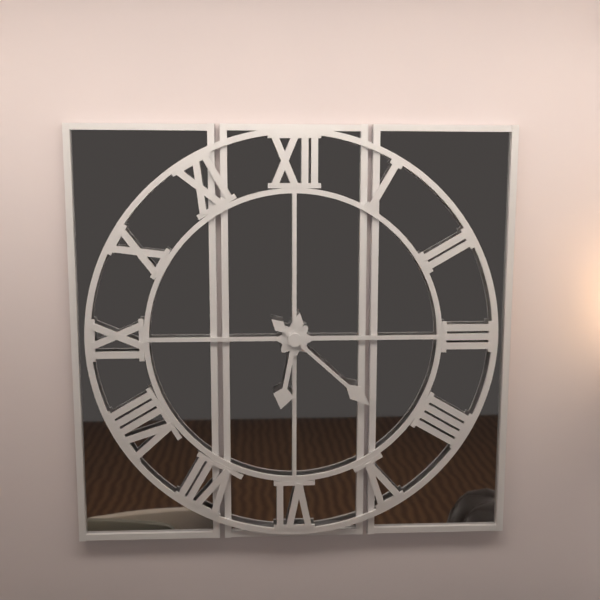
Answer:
6:22
